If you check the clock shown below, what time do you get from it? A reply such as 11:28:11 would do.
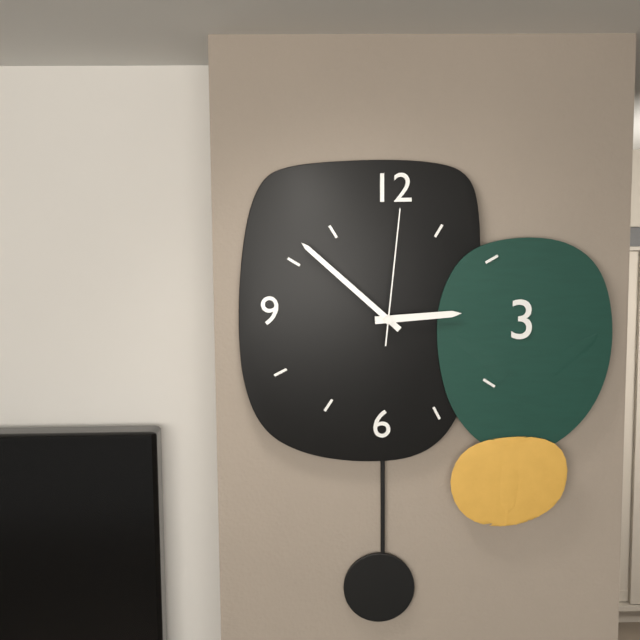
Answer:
2:52:01
